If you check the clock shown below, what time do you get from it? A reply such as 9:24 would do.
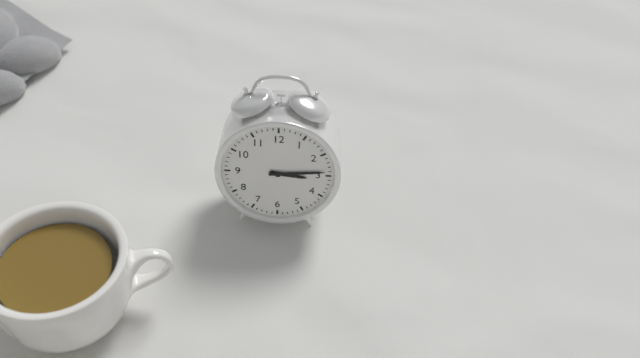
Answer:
3:14
